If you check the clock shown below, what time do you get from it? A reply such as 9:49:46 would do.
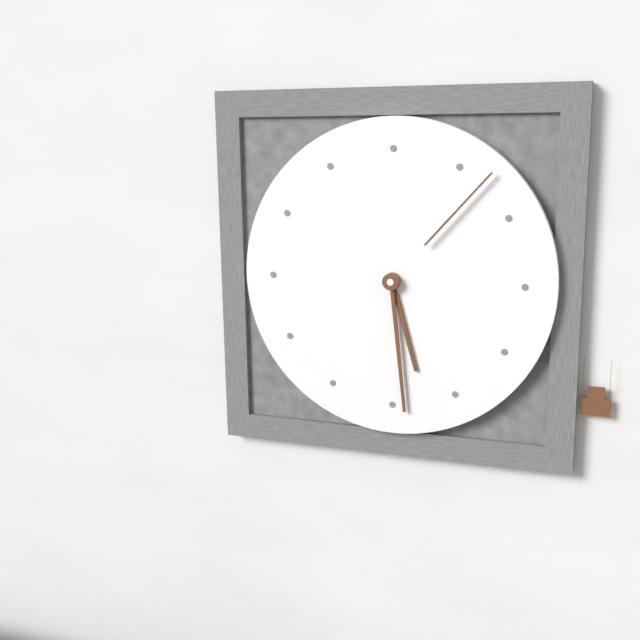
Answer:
5:29:07
